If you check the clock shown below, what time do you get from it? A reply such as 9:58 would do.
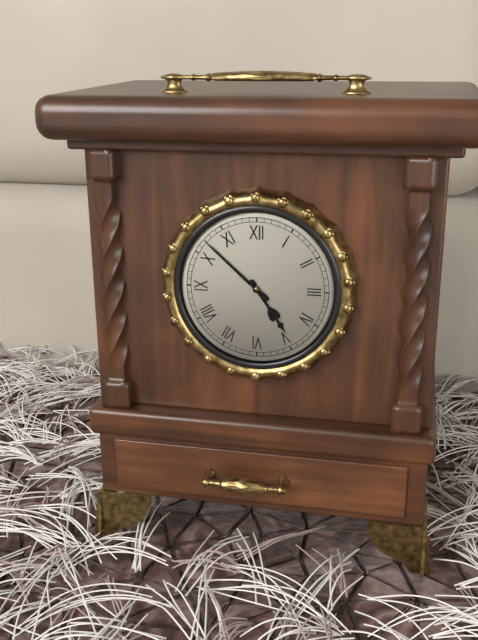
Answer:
4:52
